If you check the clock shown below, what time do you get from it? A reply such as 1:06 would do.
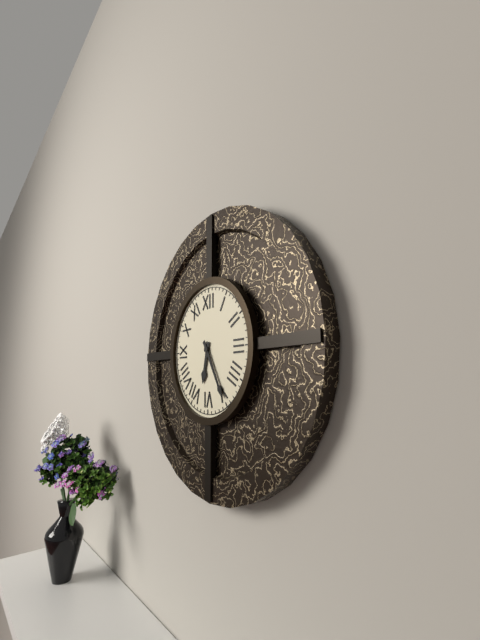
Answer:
6:25
